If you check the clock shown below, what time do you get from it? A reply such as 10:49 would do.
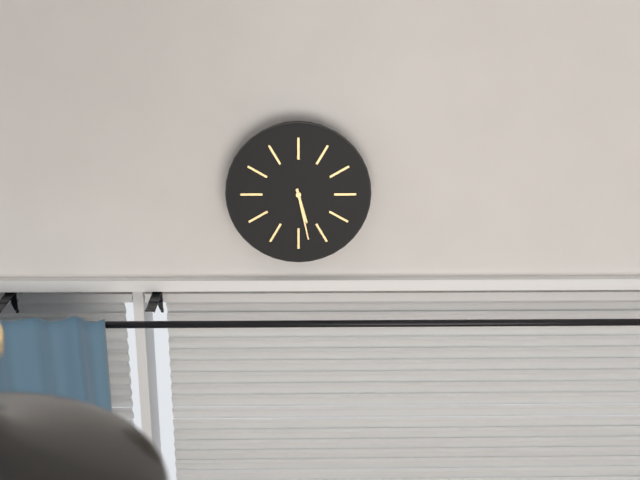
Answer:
5:28
